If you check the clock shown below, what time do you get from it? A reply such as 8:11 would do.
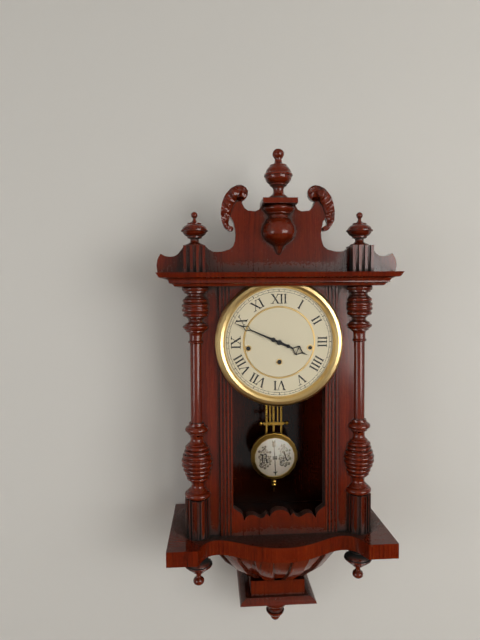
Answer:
3:49
